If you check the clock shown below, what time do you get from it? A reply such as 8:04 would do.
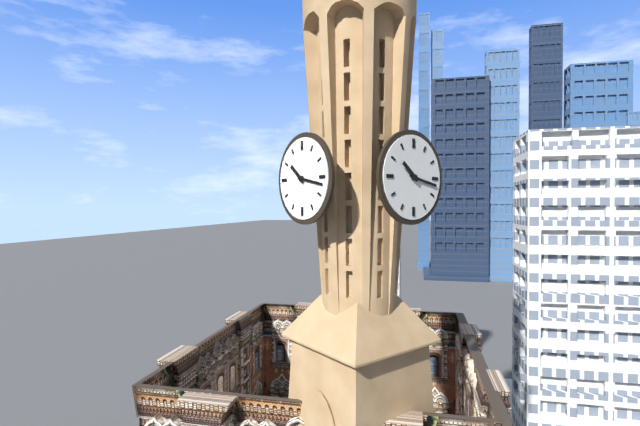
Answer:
10:17
